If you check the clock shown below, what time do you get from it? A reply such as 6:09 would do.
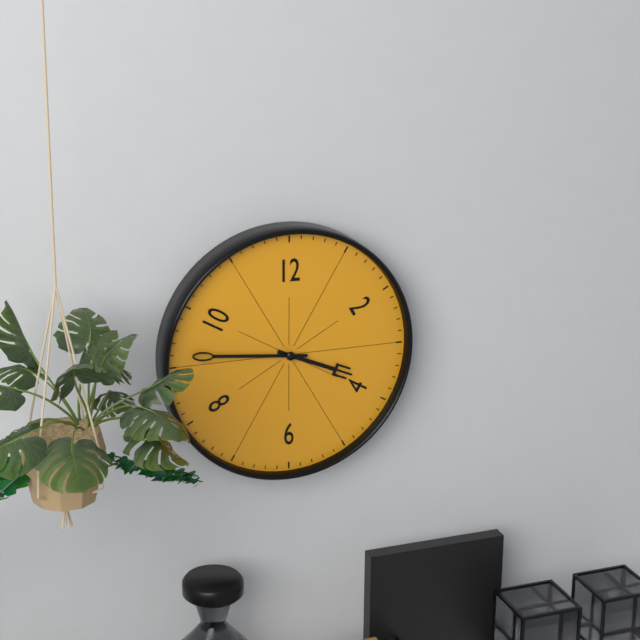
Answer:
3:46
